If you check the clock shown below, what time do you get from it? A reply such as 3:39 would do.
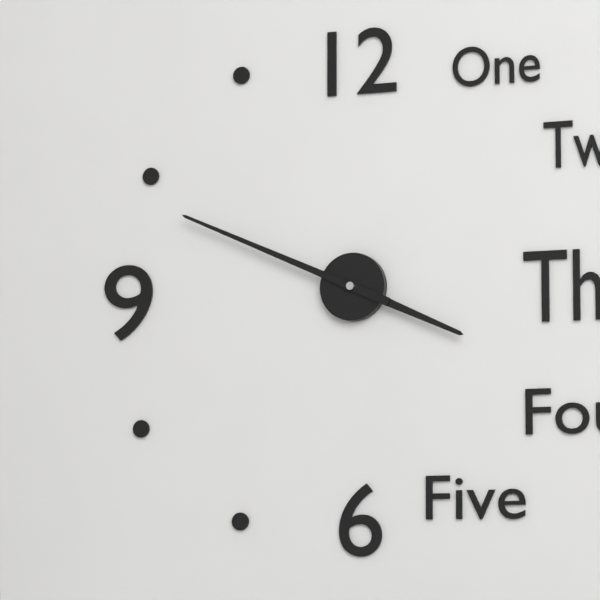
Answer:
3:49
